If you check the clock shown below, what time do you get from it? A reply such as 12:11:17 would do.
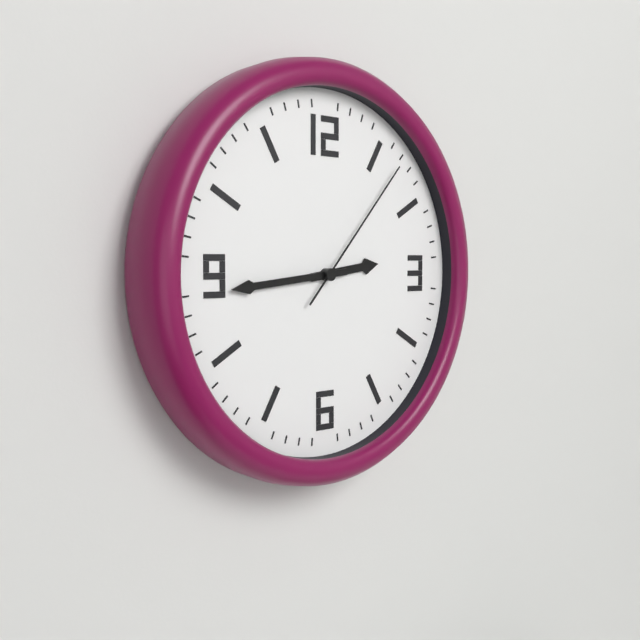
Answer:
2:44:07
